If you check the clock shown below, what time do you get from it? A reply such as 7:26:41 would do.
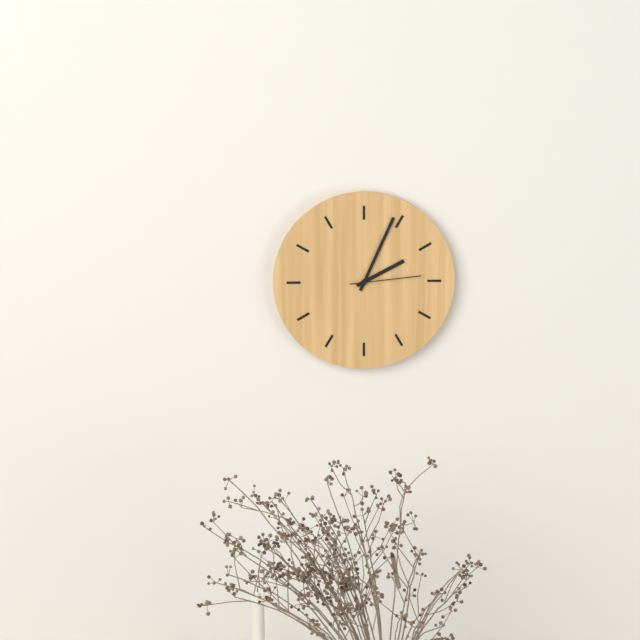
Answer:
2:04:14
